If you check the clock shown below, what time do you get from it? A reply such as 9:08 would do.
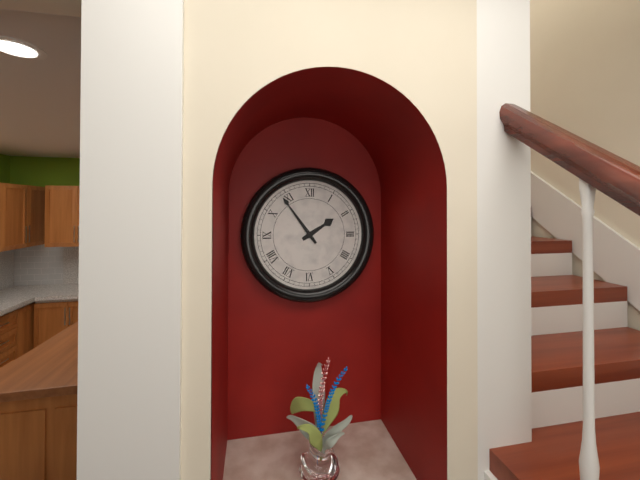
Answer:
1:54
